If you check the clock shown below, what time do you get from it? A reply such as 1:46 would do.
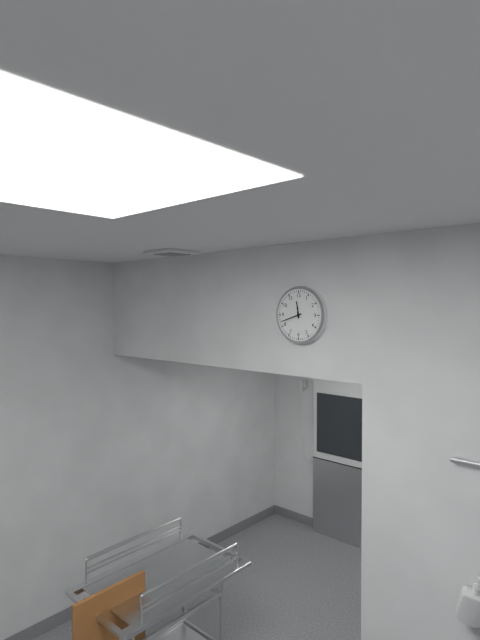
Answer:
11:42
